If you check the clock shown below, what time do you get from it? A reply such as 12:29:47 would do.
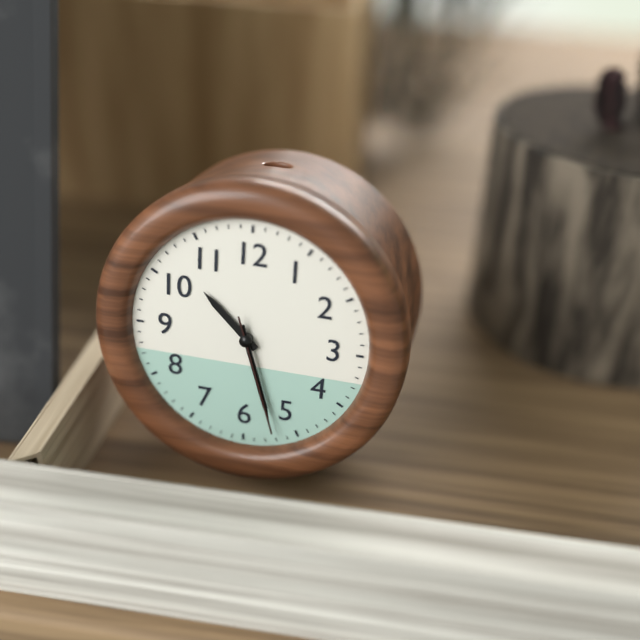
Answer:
10:27:27
